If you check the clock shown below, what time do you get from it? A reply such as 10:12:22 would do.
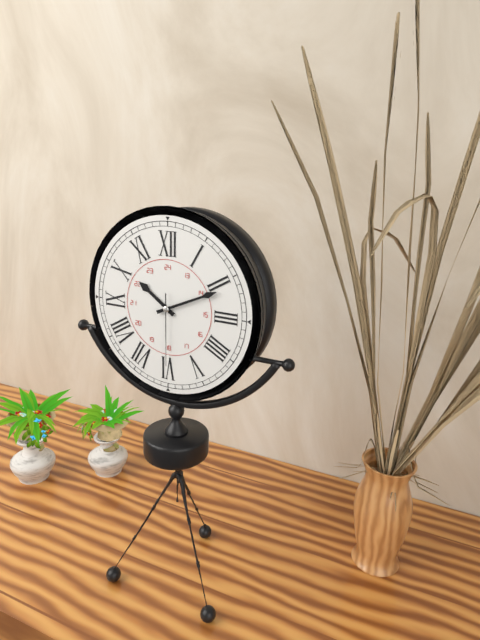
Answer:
10:11:30
